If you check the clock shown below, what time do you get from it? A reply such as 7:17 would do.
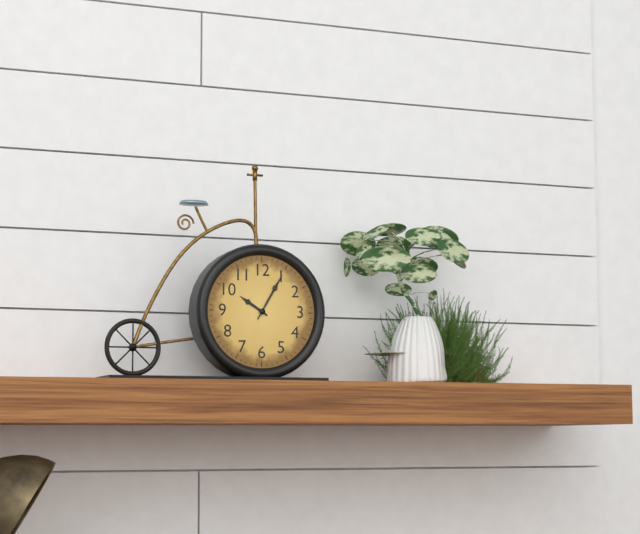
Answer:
10:05
